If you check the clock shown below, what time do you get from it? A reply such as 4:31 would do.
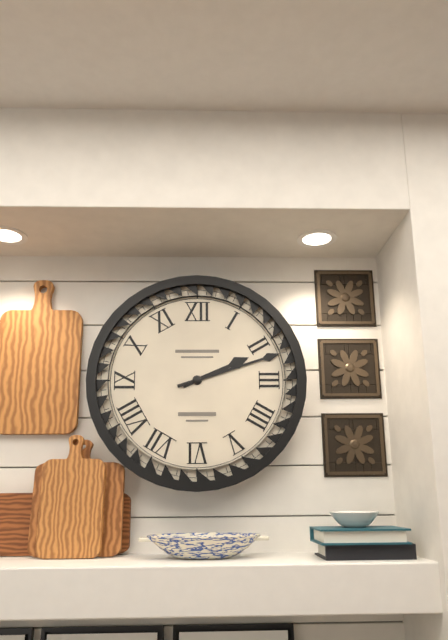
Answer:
2:12
